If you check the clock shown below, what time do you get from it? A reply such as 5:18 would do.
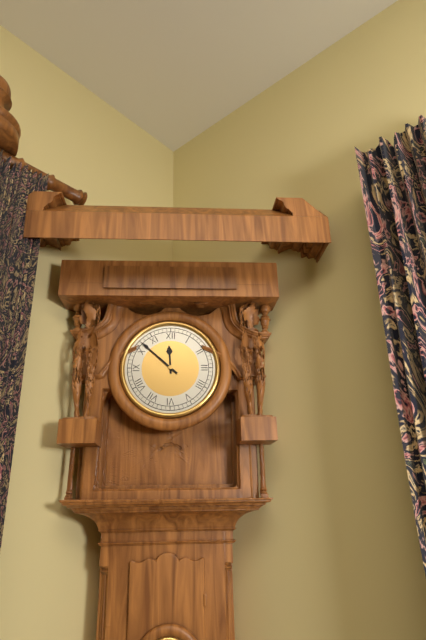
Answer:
11:52
